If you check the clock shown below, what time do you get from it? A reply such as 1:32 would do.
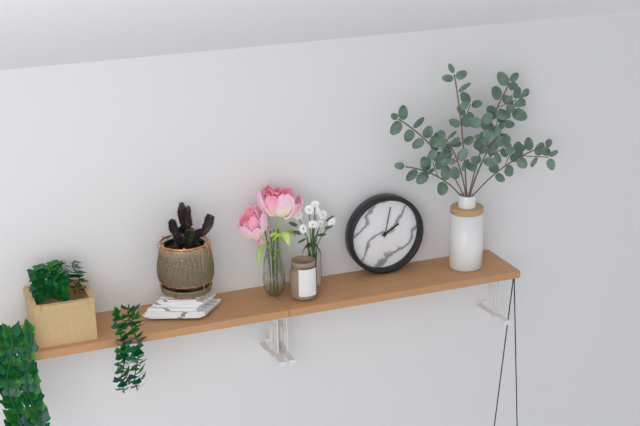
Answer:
2:02
